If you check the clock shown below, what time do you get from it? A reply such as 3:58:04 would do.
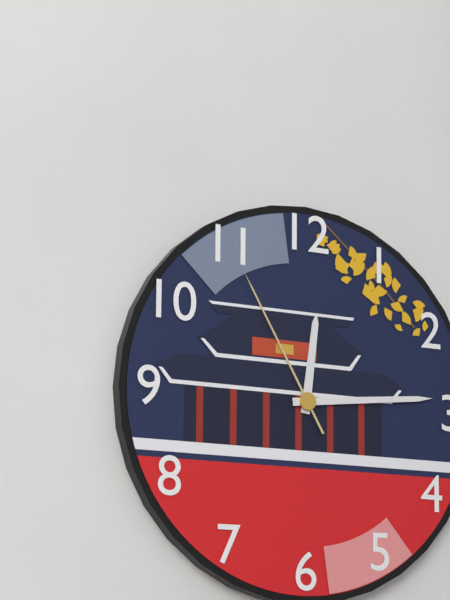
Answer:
12:14:55
